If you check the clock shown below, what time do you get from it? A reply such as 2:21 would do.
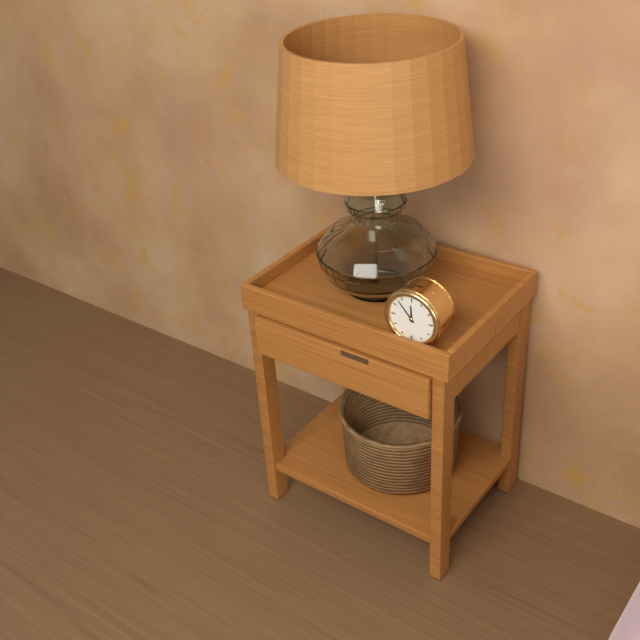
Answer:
11:53
